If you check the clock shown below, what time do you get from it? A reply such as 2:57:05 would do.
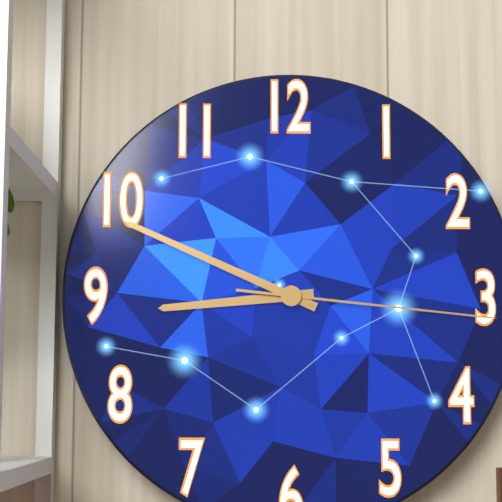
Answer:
8:49:16
